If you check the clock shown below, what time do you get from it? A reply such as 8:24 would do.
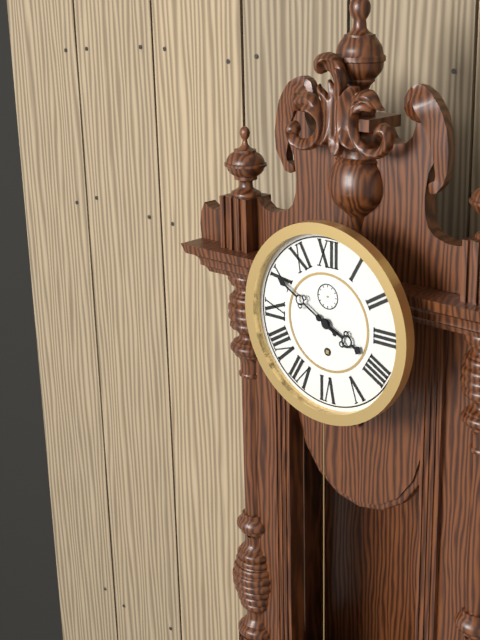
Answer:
3:50
